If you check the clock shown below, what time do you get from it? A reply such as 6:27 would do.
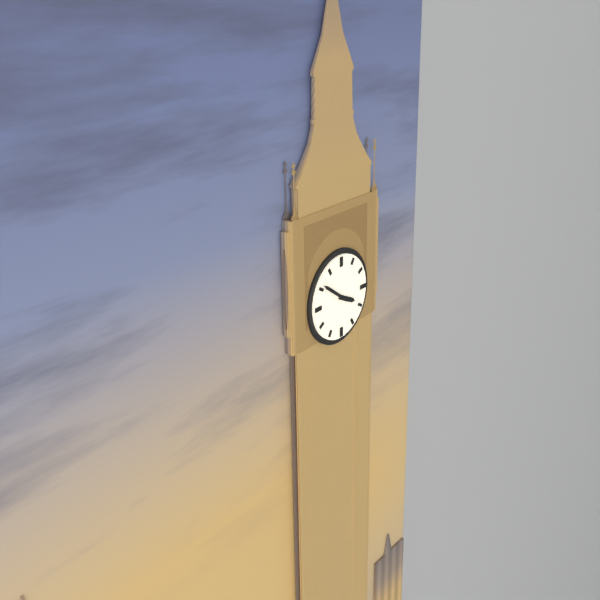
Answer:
3:51
